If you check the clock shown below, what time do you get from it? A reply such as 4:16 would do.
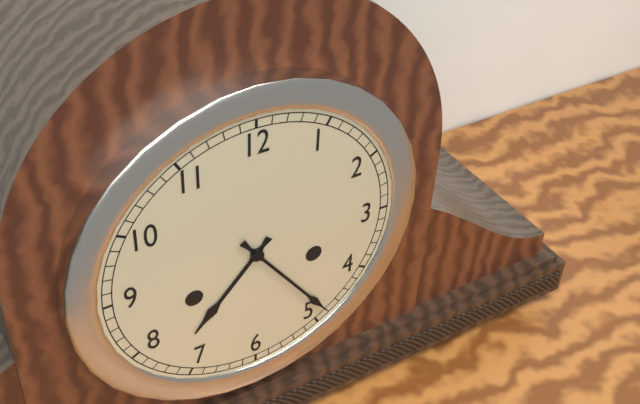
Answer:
7:24
